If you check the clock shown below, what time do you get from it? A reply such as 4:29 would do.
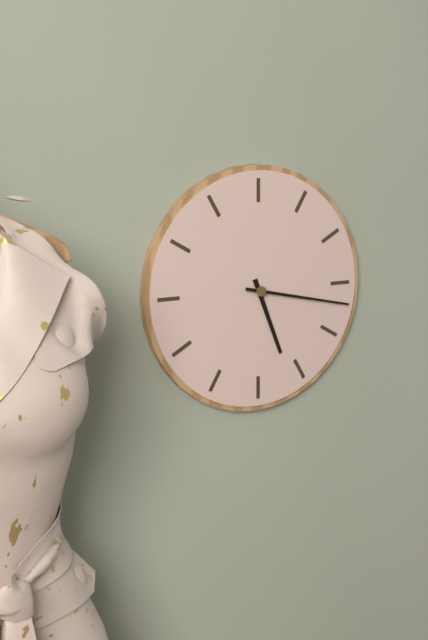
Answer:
5:17
